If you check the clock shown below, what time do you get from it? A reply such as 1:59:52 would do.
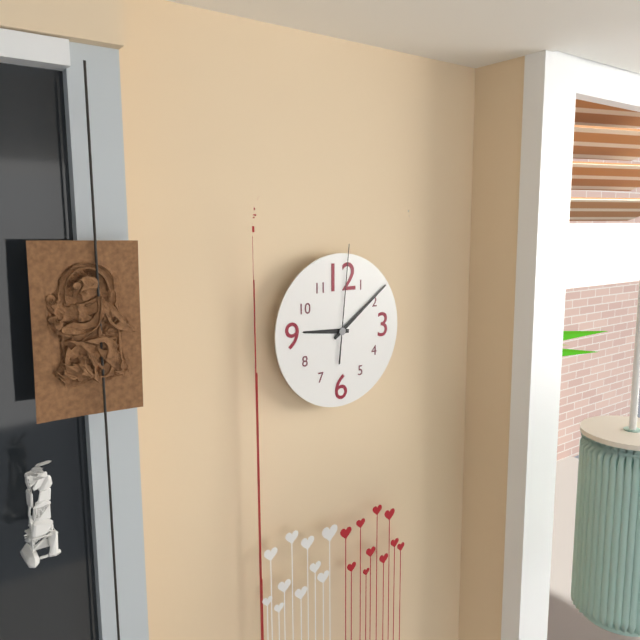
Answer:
9:09:01
